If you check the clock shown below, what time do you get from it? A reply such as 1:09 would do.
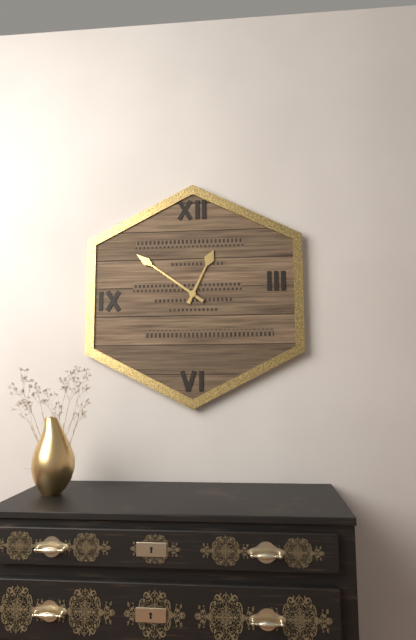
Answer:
12:51
